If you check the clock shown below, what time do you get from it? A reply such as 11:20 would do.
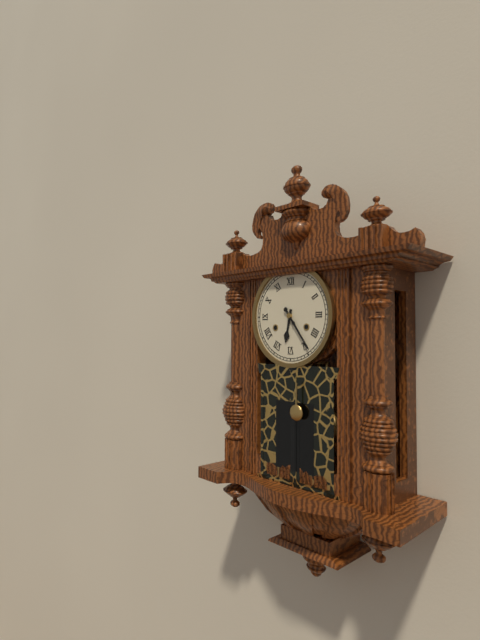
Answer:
6:24
